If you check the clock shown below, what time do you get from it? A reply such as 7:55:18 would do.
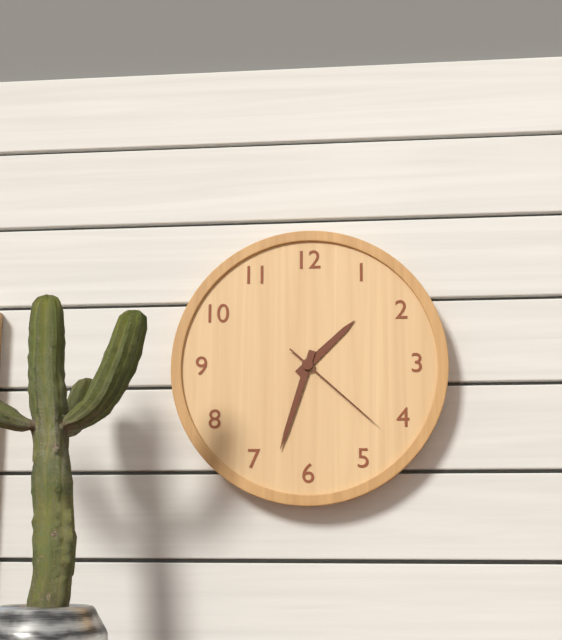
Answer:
1:33:22
